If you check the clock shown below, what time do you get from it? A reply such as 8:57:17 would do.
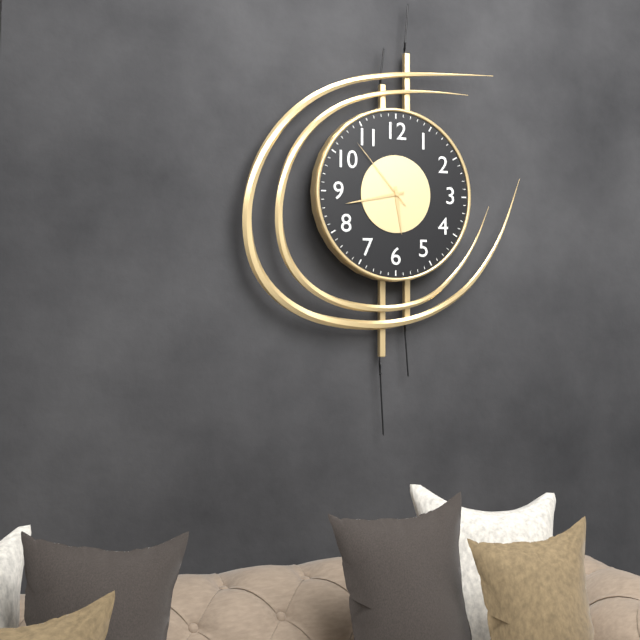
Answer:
5:43:53
